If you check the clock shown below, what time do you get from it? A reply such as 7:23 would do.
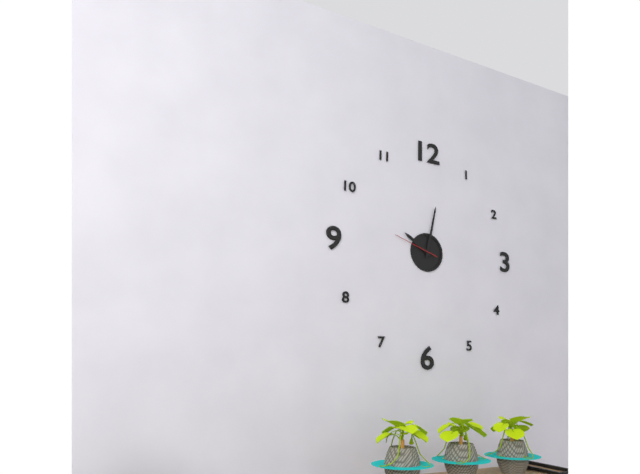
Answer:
10:02
